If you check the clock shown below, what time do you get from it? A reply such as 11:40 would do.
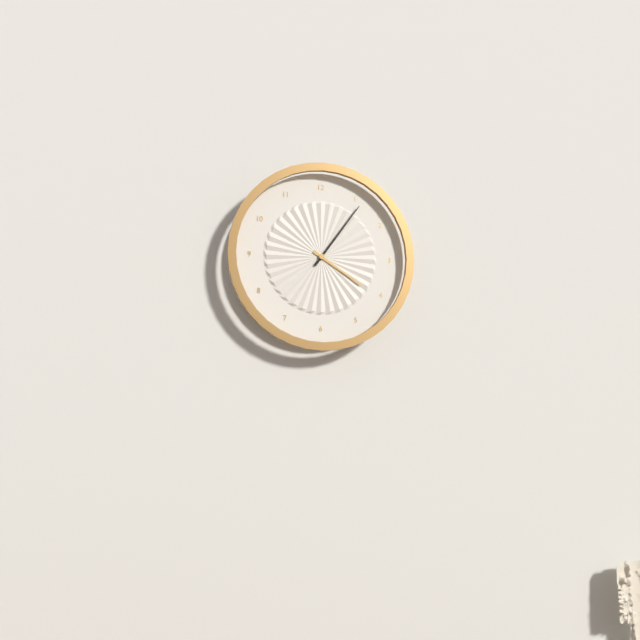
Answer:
4:06
